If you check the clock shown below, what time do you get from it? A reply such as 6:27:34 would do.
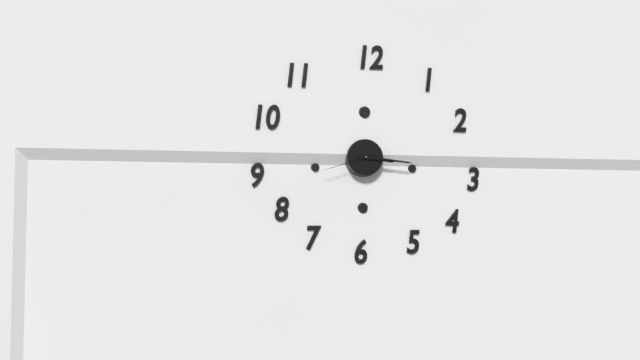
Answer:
3:16:42
